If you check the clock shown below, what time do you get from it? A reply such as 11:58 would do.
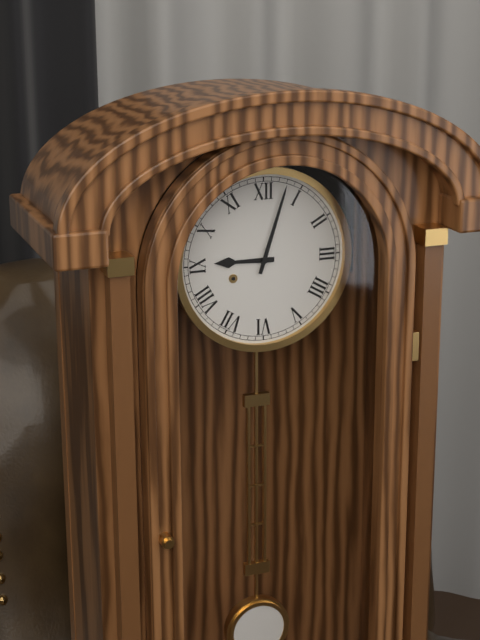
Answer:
9:03
